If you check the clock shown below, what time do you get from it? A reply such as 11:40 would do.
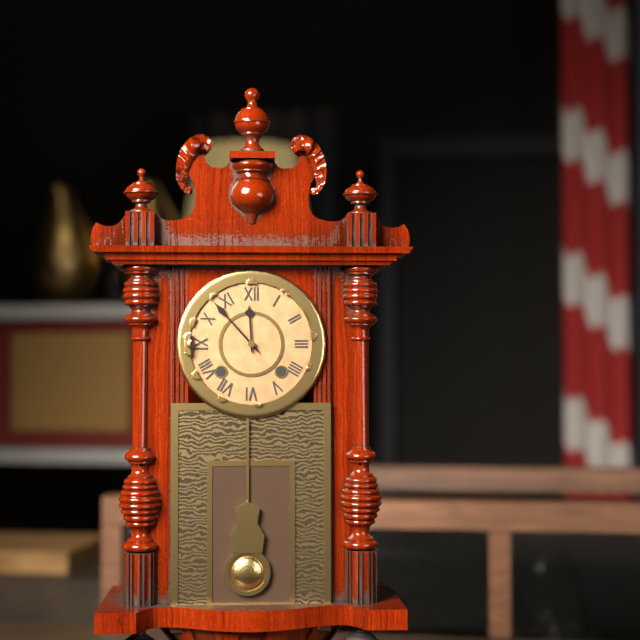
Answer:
11:53
